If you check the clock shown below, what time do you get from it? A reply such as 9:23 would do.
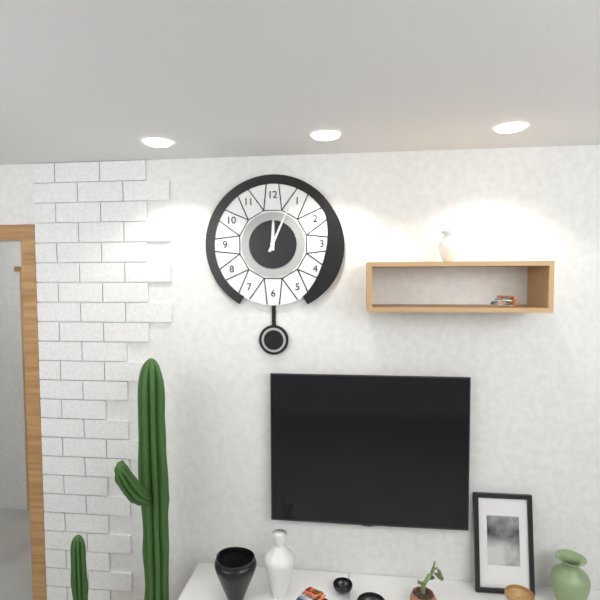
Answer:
12:04
